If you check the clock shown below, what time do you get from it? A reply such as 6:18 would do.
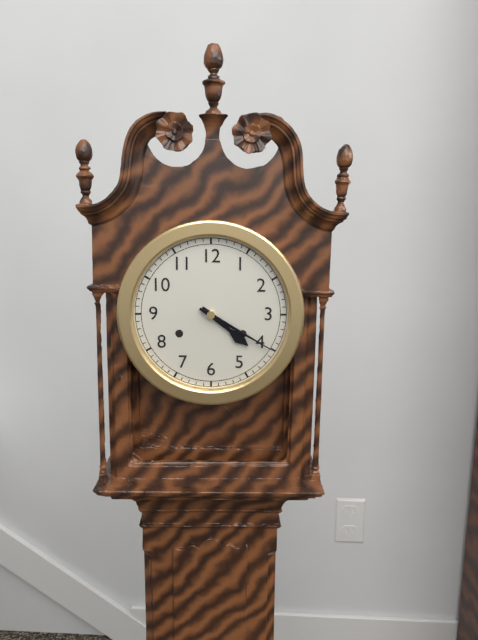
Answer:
4:20
